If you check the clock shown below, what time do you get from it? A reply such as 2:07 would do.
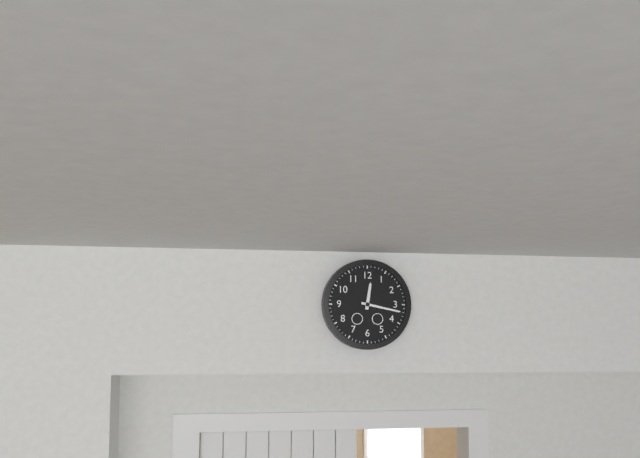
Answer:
12:17
